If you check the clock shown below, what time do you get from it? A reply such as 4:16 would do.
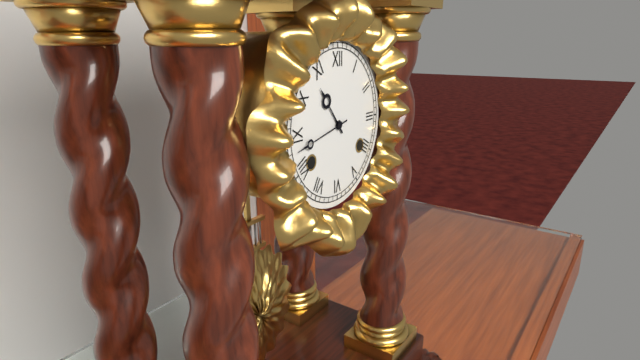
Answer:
10:43
